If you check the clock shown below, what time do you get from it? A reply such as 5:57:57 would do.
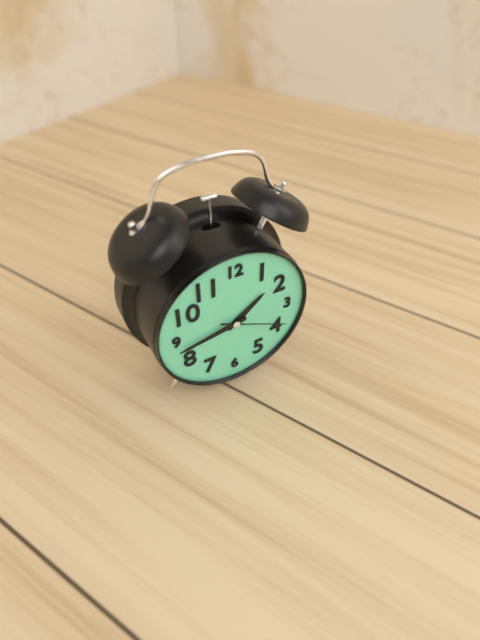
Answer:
1:43:19
